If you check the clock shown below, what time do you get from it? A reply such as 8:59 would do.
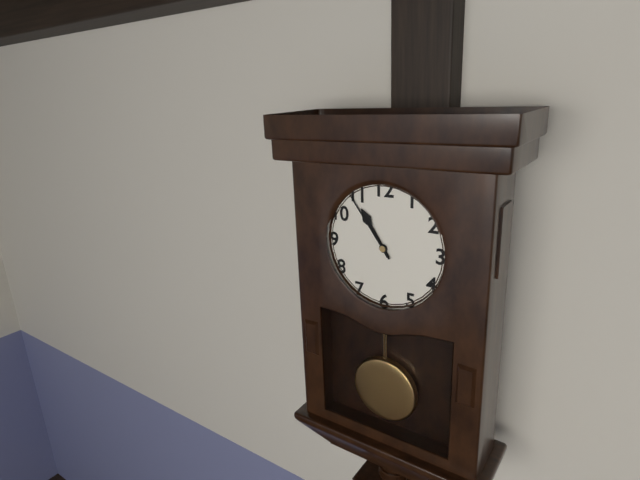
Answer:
10:54
